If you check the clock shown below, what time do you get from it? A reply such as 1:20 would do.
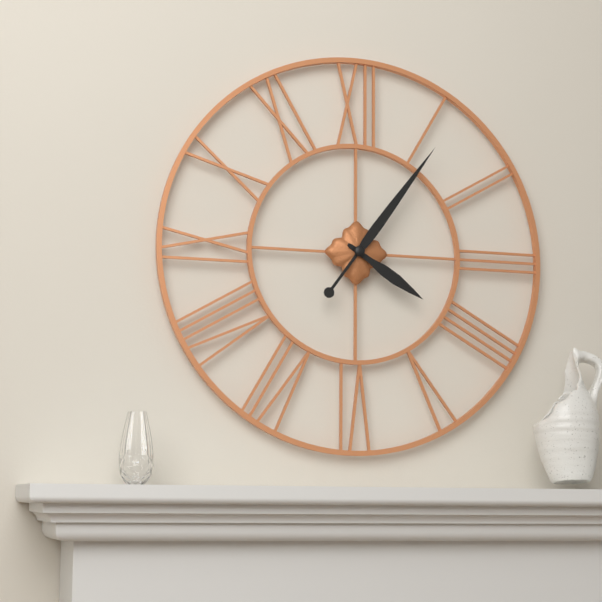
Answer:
4:06
